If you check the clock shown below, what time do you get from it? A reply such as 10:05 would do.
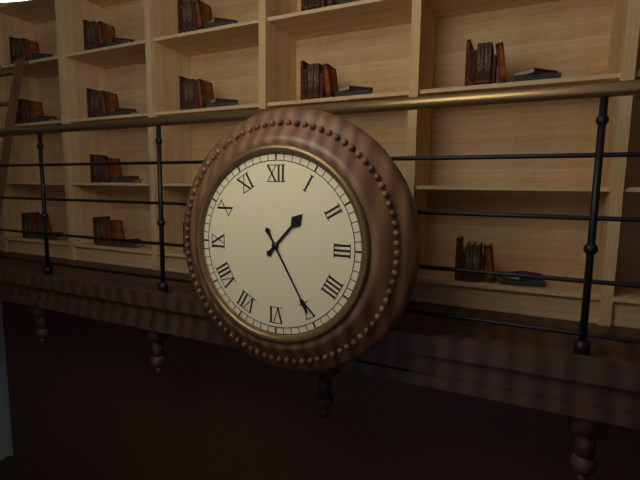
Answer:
1:25
